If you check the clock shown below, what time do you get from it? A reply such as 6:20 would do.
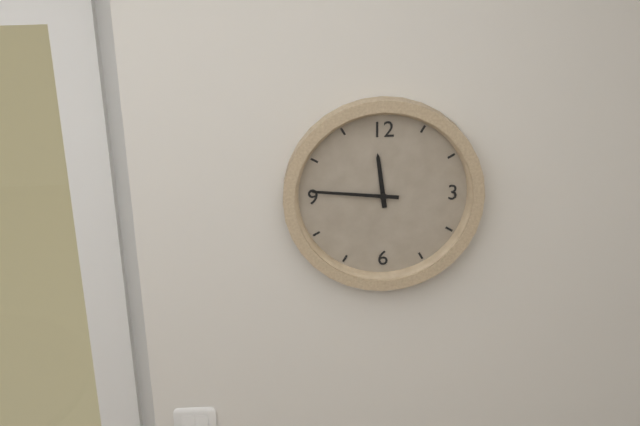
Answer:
11:46
